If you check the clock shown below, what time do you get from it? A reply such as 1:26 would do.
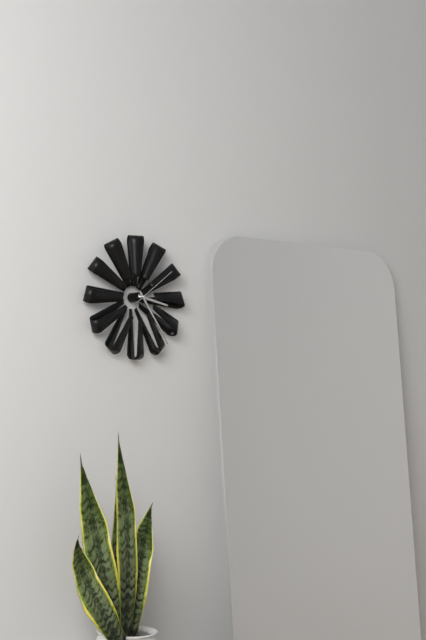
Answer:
3:24
